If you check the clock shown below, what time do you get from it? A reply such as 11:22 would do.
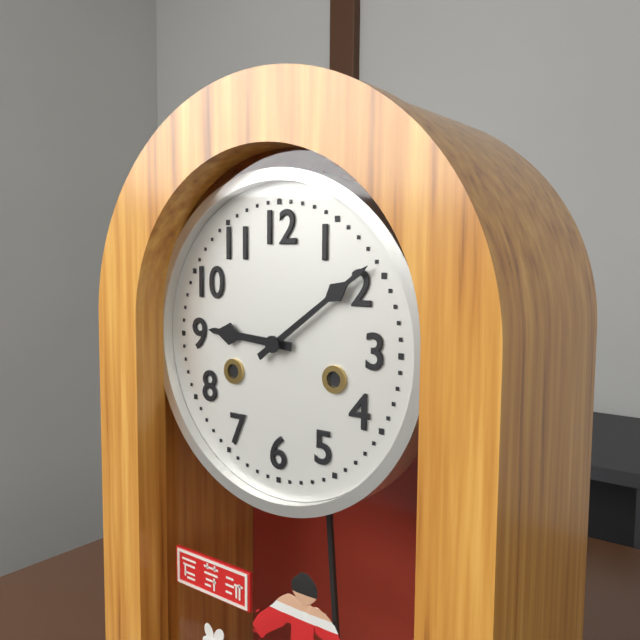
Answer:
9:09
